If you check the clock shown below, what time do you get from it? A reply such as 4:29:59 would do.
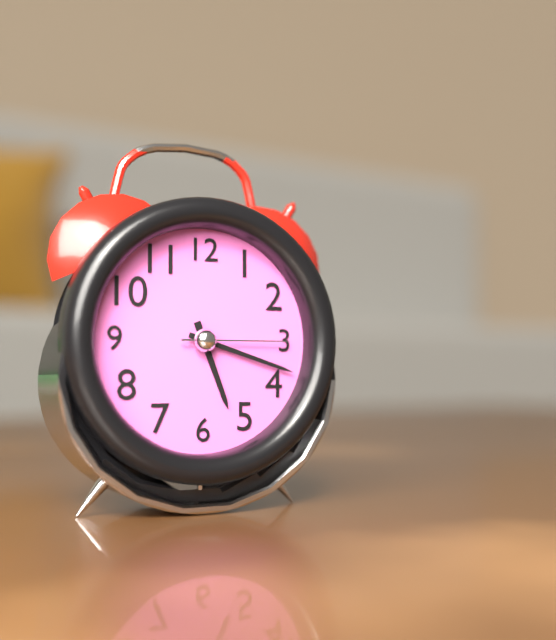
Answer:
5:18:15
